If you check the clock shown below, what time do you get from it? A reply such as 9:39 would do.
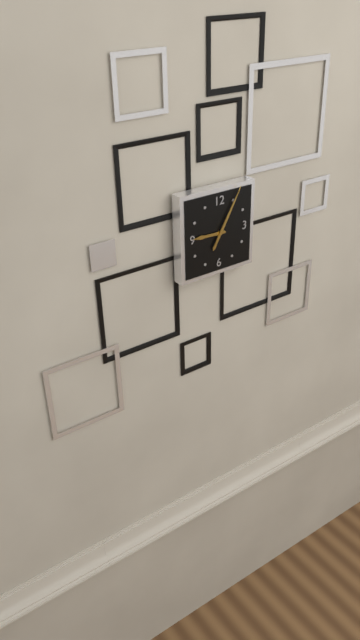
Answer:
9:05
